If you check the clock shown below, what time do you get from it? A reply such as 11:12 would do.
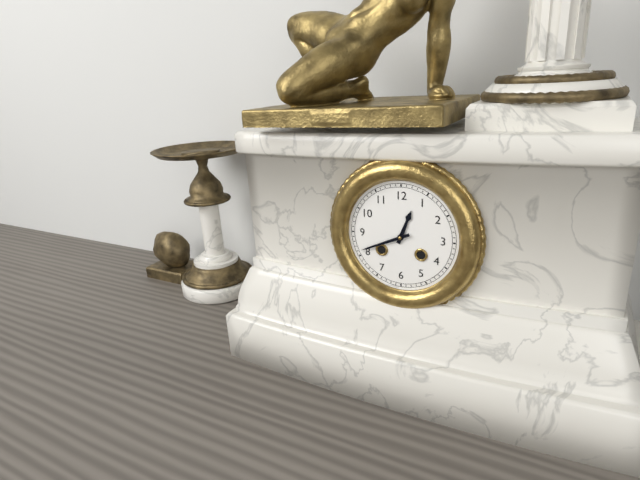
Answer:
12:41
